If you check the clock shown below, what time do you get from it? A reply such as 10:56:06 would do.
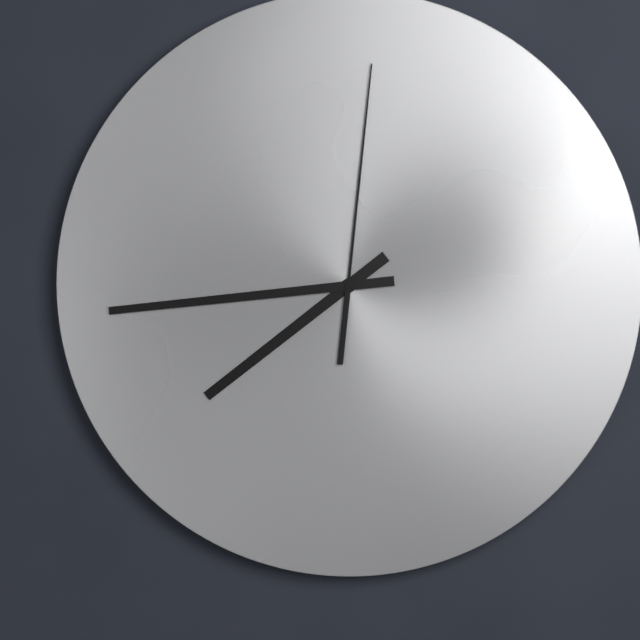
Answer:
7:44:01
